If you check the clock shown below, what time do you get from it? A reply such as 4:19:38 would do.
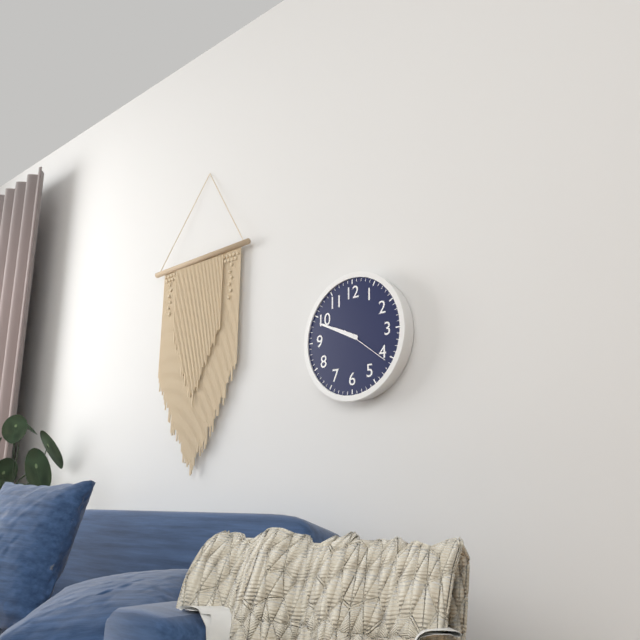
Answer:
9:49:21
